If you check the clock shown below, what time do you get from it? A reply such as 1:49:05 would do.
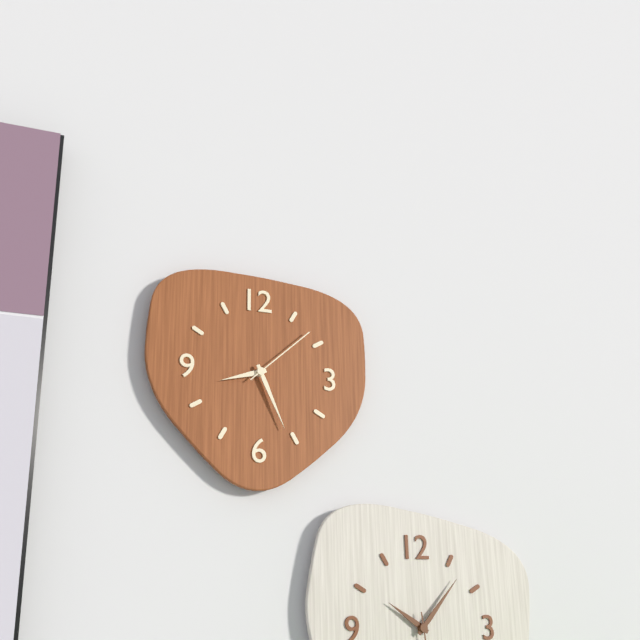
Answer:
8:26:08
